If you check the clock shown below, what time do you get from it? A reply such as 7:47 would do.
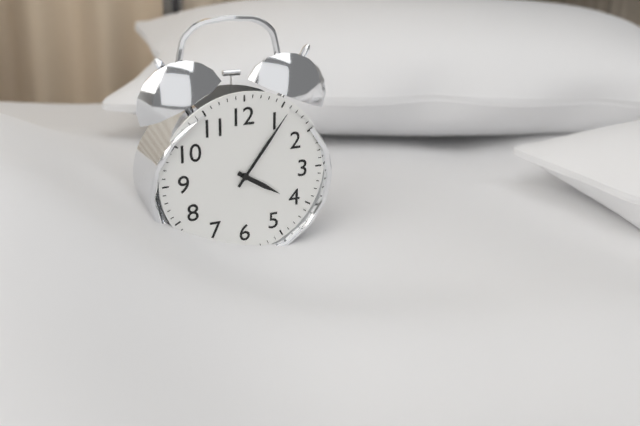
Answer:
4:06
